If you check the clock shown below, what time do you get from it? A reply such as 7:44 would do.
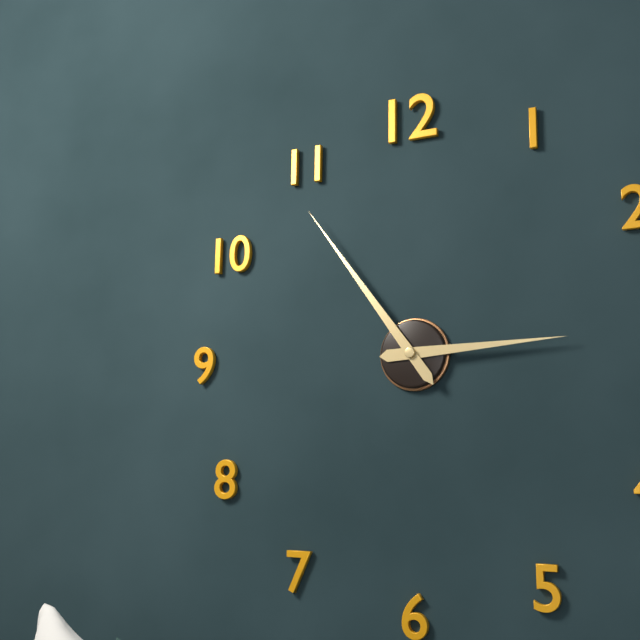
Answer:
2:54
